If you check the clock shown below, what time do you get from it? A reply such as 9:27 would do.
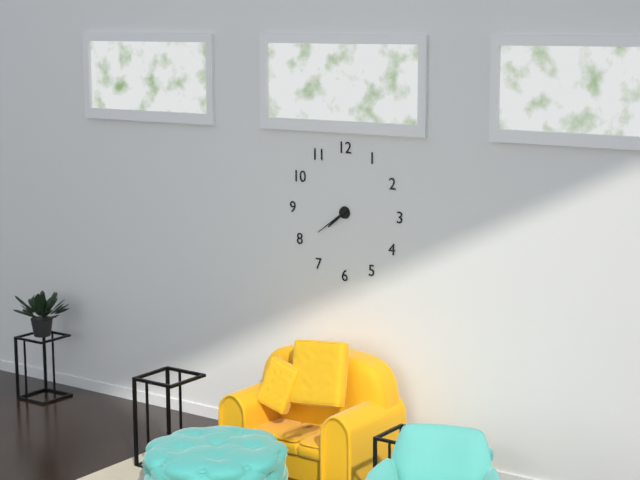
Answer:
7:39
